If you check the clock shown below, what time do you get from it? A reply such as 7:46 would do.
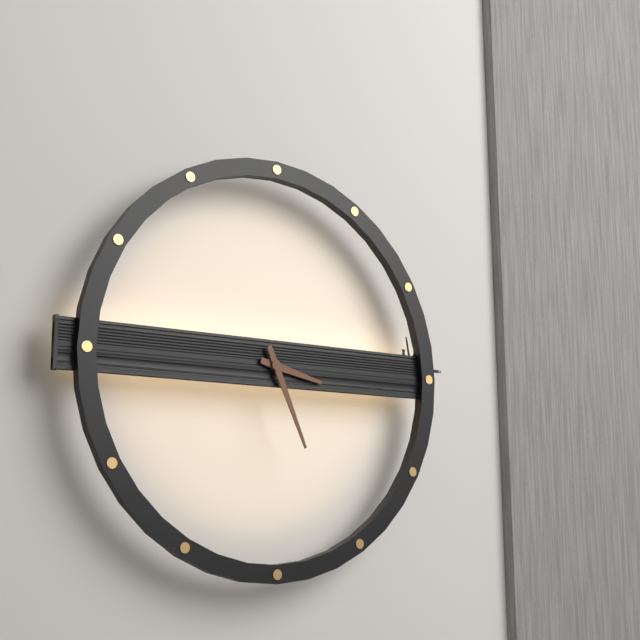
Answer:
3:26
